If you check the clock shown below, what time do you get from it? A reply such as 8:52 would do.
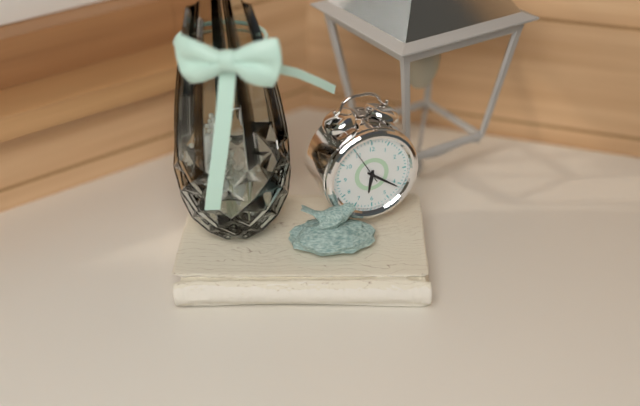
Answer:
6:21
